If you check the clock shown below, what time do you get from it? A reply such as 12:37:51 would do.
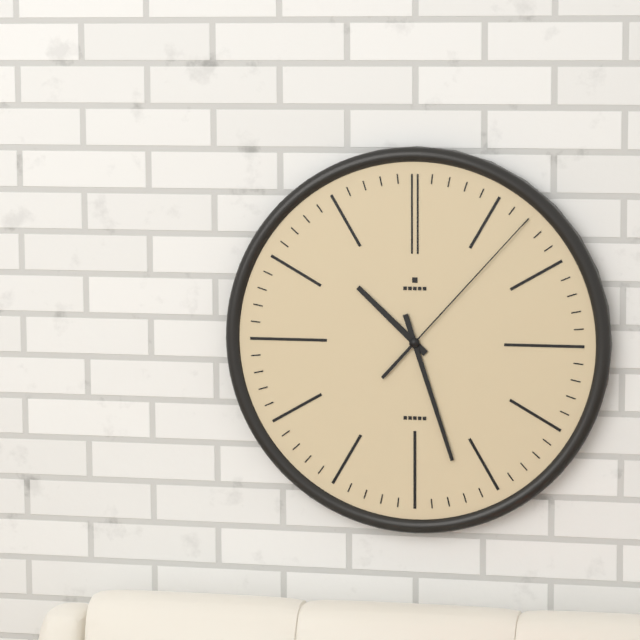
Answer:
10:27:07
